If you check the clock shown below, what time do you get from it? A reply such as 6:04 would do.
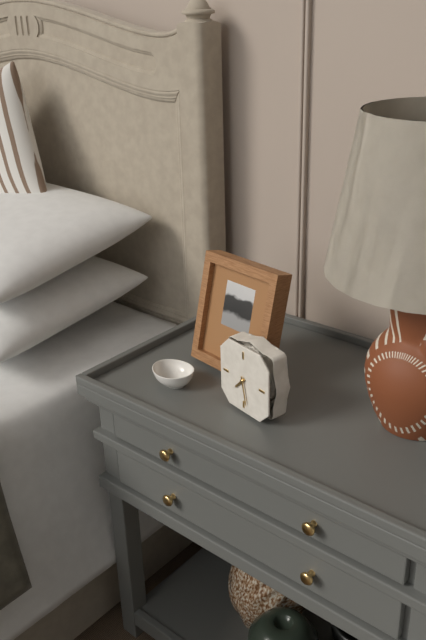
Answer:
7:28
